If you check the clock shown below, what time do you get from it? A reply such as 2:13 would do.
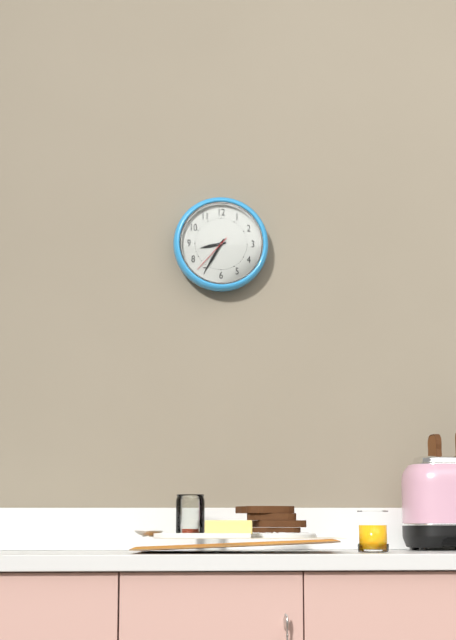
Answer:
8:35
